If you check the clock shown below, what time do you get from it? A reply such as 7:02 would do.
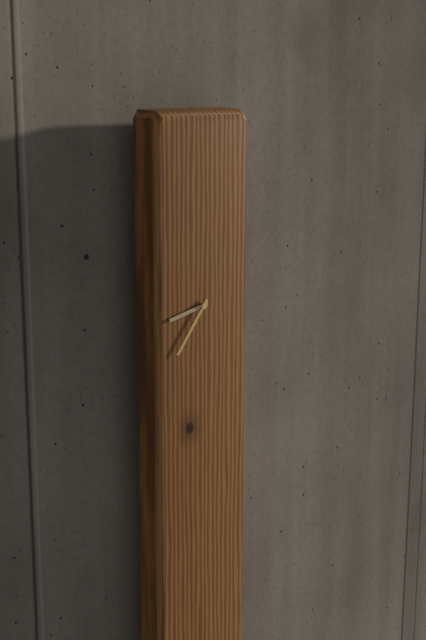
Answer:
8:36
